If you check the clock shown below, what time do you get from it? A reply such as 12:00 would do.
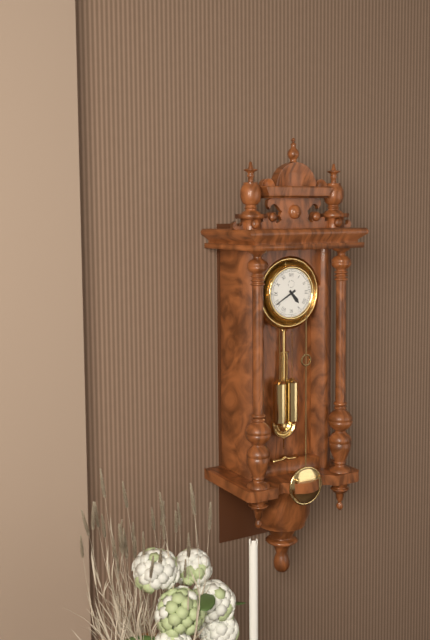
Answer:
4:40
